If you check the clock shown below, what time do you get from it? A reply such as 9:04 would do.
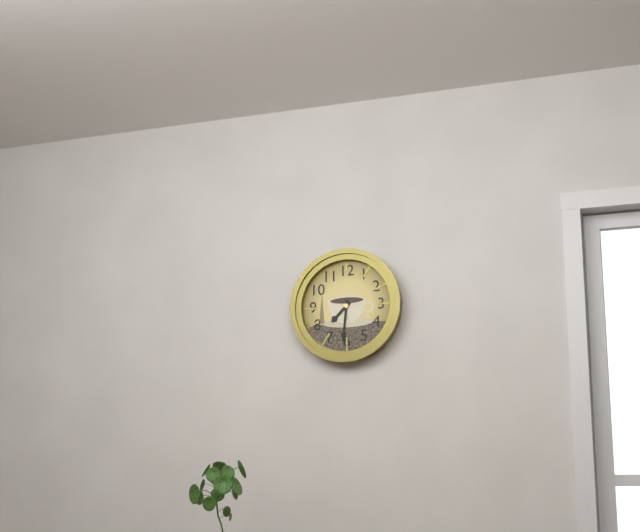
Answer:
7:31
